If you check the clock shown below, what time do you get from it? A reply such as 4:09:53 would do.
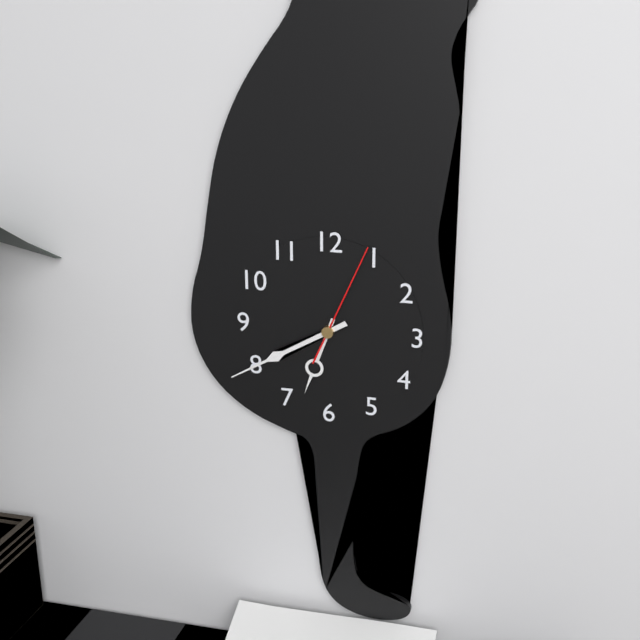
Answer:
6:40:04
